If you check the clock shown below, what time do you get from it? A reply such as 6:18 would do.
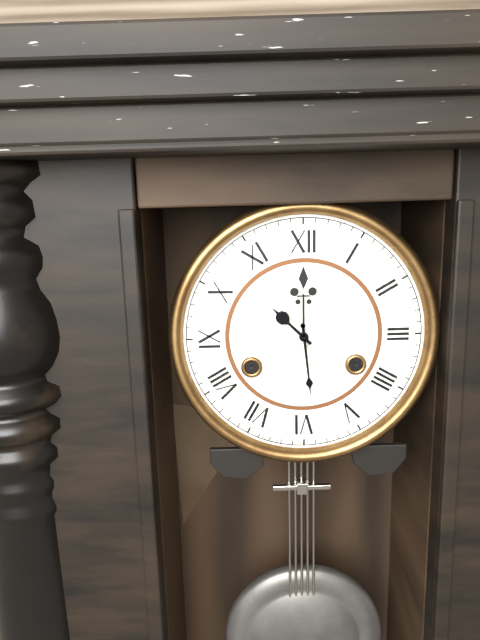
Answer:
10:29
